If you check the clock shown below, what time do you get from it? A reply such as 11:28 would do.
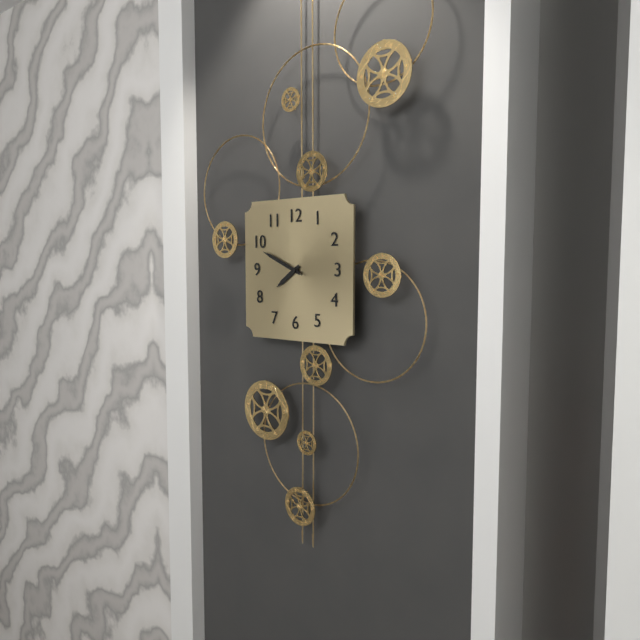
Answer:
7:49
